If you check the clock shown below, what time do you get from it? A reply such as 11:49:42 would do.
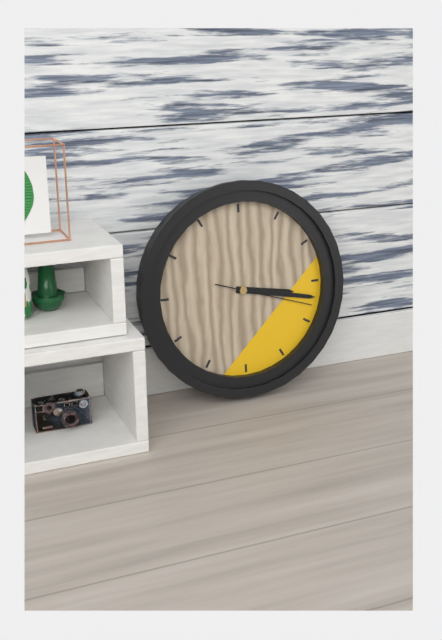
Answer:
3:17:18
